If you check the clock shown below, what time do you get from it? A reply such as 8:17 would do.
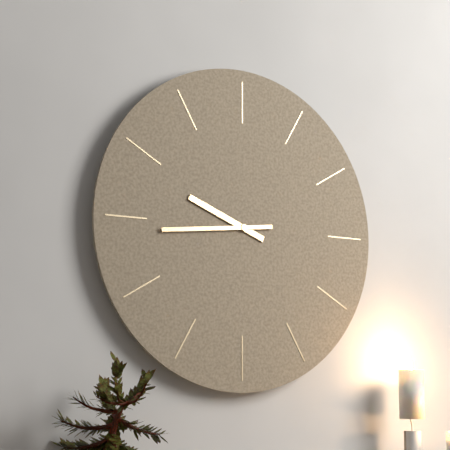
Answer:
9:44
